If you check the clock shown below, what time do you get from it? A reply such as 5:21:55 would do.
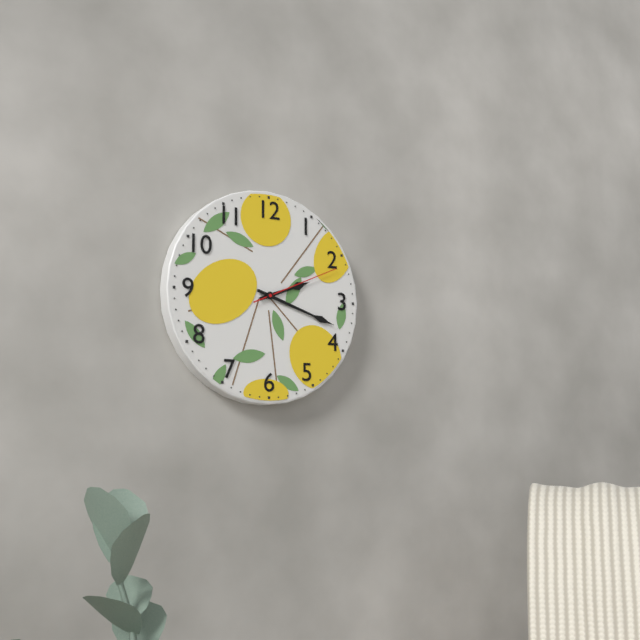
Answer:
2:18:11
